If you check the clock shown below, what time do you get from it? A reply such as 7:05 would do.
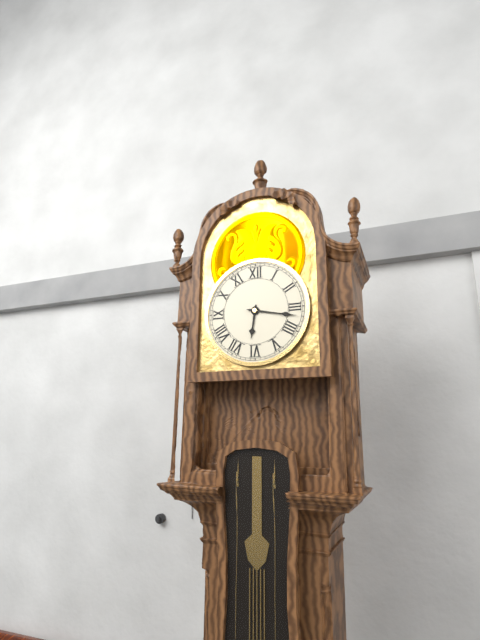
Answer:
6:17
